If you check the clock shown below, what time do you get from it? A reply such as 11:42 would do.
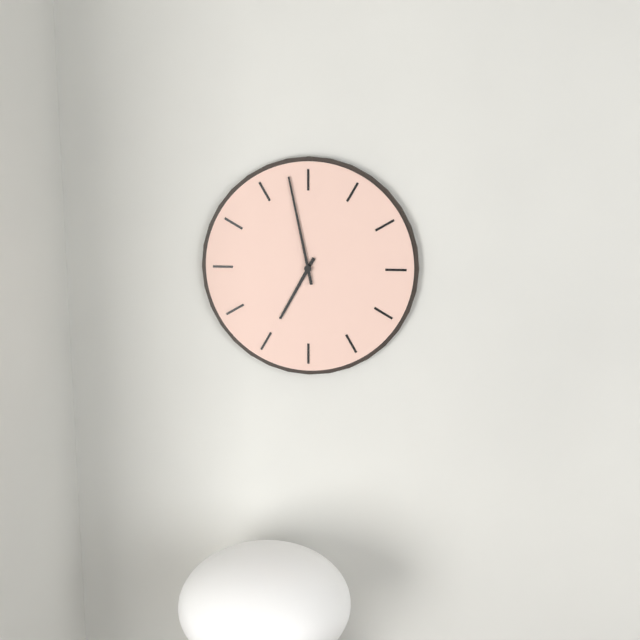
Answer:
6:58
